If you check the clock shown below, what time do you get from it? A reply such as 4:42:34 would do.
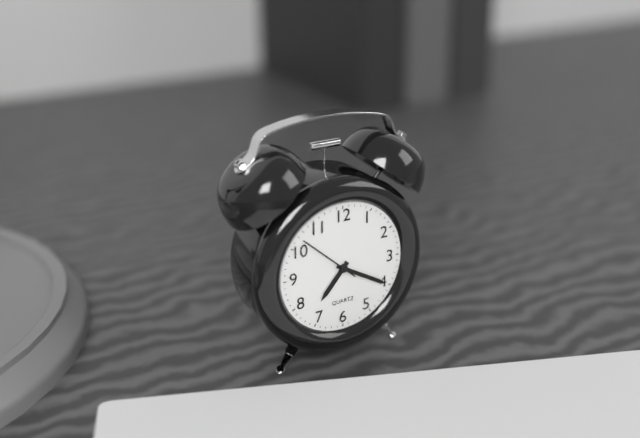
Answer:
7:20:52
